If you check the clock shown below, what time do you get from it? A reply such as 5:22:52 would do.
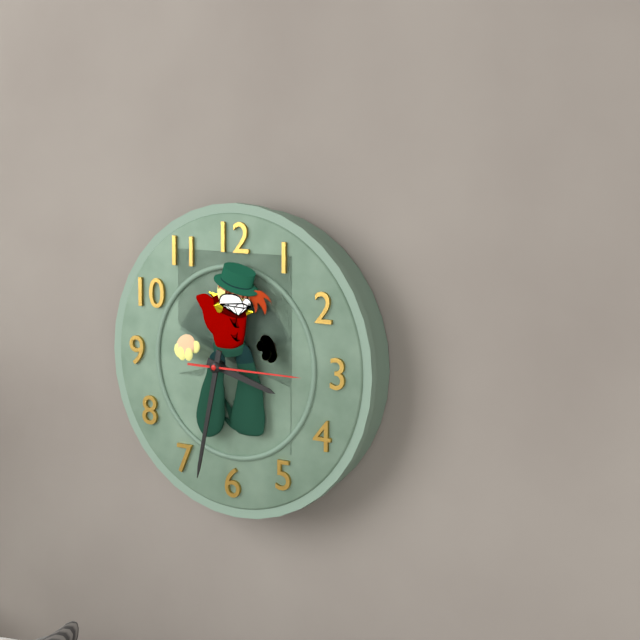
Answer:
3:32:15
